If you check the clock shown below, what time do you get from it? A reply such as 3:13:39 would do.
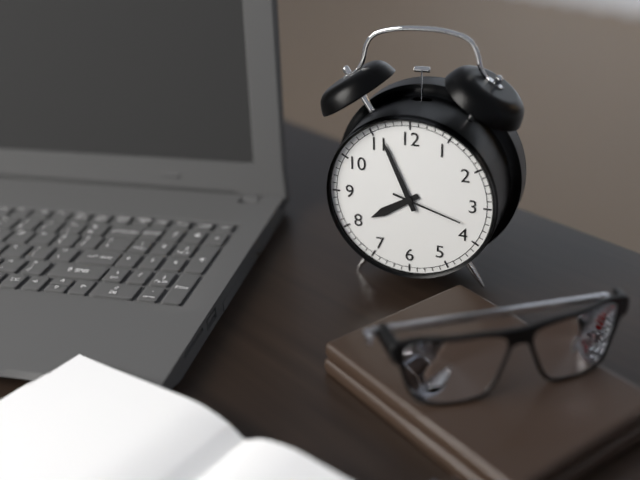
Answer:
7:56:18
